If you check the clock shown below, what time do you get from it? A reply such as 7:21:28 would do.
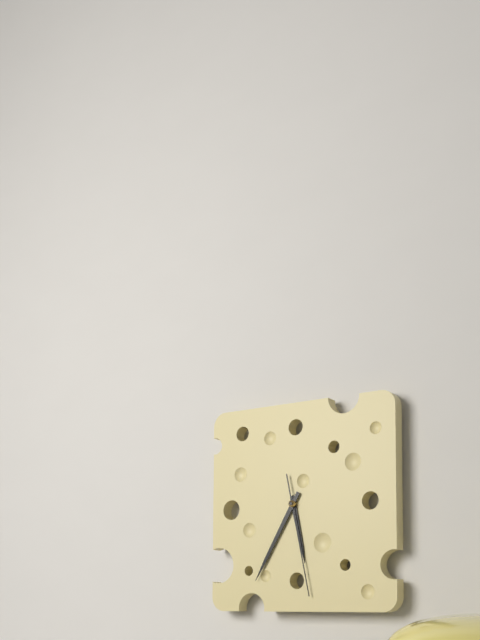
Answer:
5:35:28
